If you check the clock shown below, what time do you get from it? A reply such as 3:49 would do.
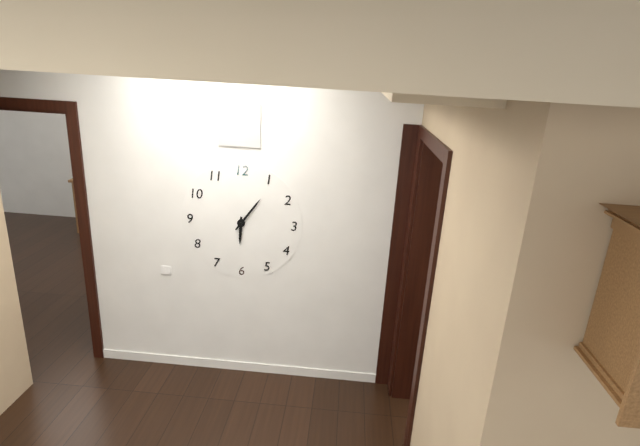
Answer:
6:06
